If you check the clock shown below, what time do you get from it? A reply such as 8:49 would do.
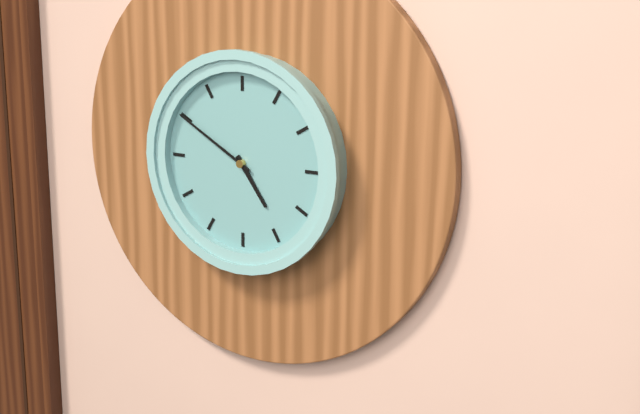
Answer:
4:50
